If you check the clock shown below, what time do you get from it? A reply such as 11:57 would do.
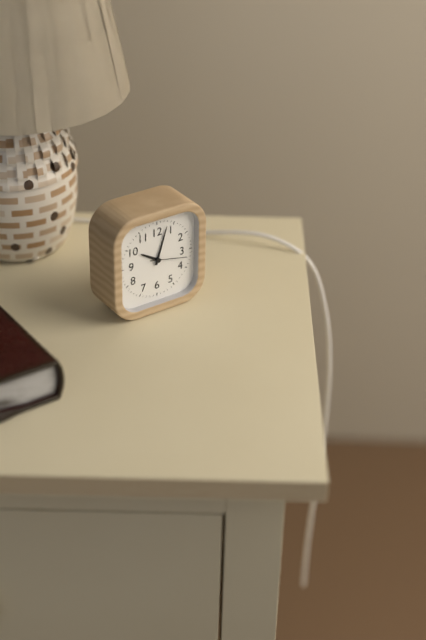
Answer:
10:03
